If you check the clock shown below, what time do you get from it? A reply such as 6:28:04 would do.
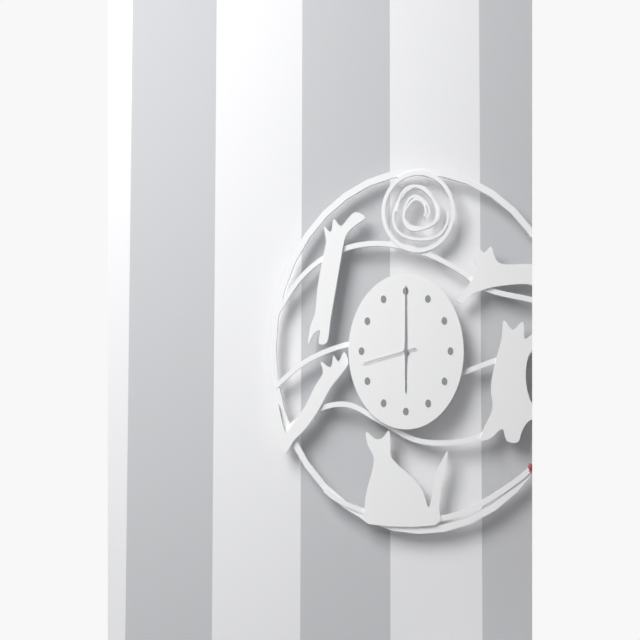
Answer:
6:00:43
